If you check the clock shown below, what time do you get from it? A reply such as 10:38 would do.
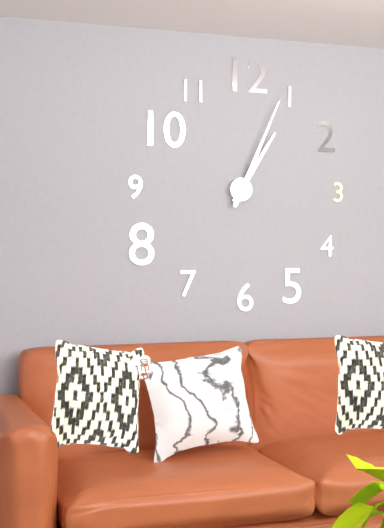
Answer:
1:04
